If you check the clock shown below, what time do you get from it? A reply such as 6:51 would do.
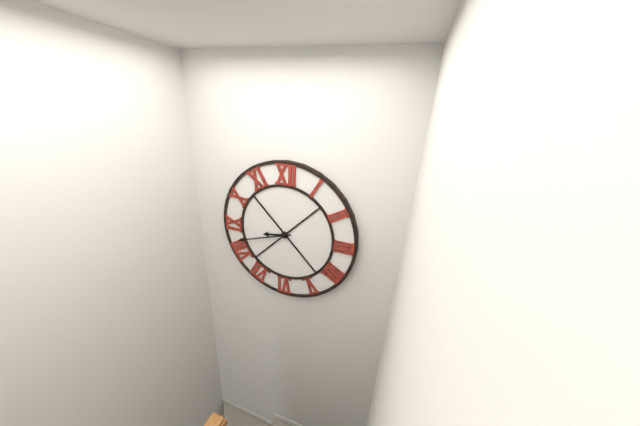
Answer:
8:42
